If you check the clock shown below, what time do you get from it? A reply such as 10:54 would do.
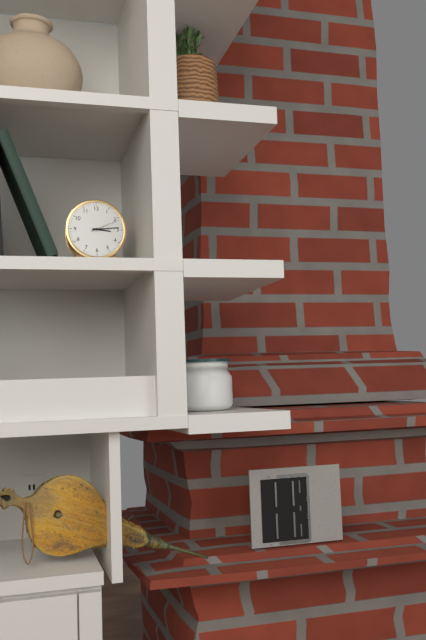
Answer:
3:14
